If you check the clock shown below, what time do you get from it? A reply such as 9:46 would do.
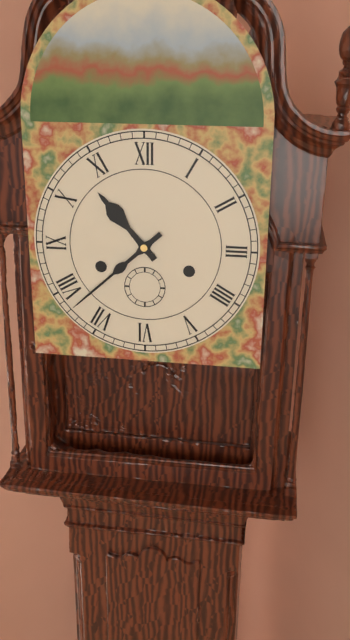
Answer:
10:38
